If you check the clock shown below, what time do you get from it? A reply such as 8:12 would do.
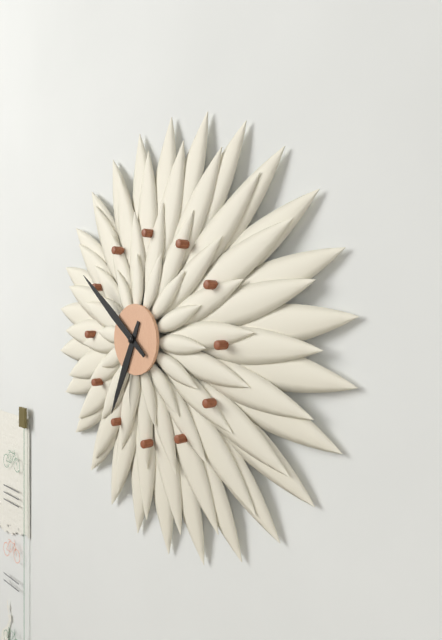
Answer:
6:51
